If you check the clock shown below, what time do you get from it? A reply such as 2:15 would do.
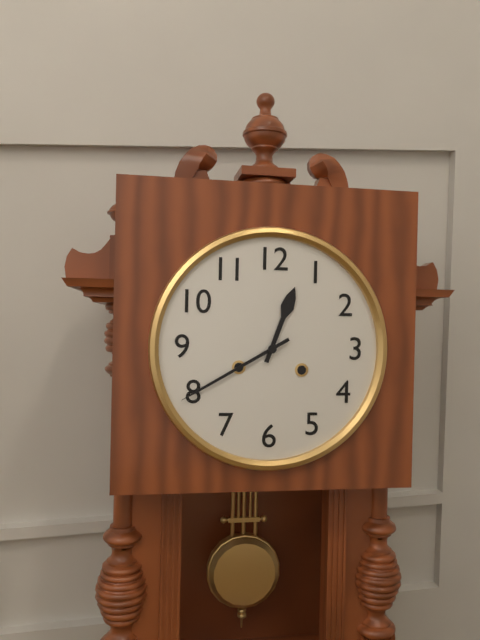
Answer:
12:40
